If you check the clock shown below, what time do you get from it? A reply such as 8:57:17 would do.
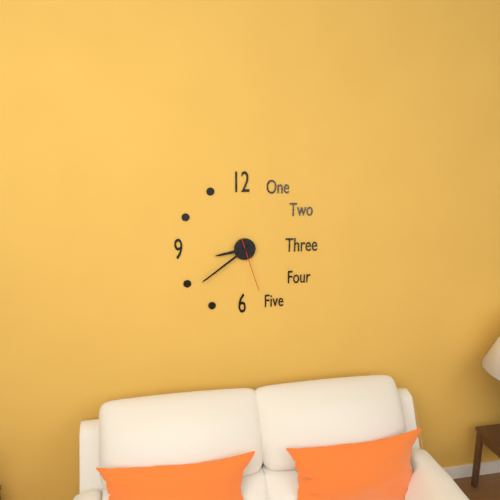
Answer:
8:39:27
